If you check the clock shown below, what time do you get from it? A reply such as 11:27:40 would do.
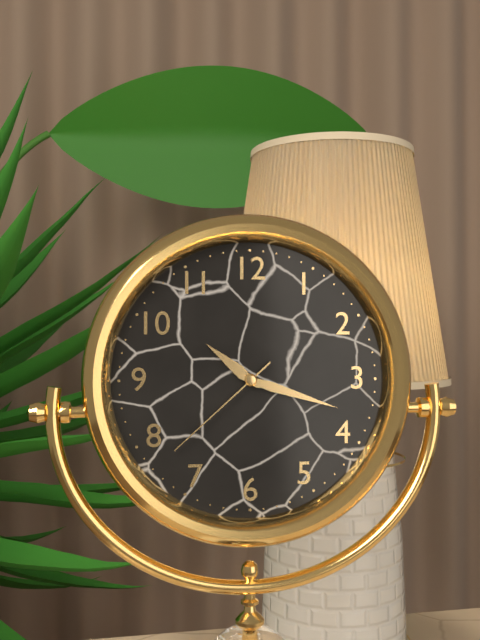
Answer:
10:18:38
